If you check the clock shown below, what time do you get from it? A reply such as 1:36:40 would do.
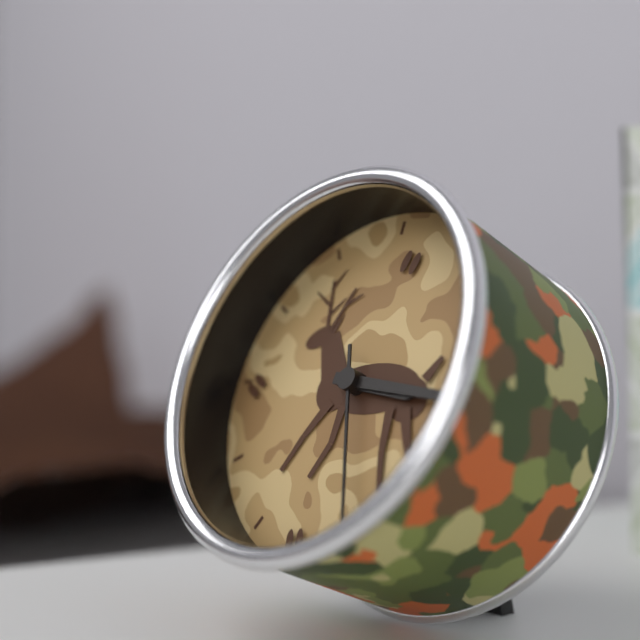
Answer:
3:16:27
